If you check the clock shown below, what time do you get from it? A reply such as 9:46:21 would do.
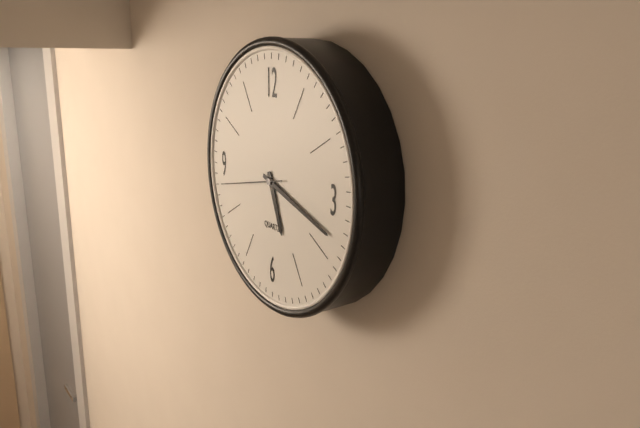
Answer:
5:18:43
